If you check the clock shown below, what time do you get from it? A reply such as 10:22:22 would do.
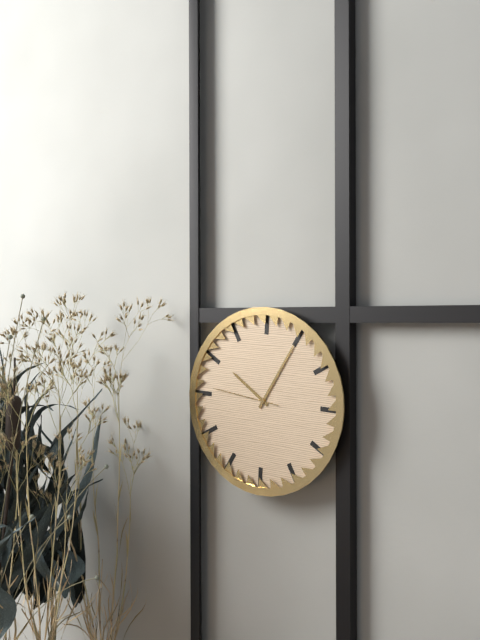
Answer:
10:05:46
